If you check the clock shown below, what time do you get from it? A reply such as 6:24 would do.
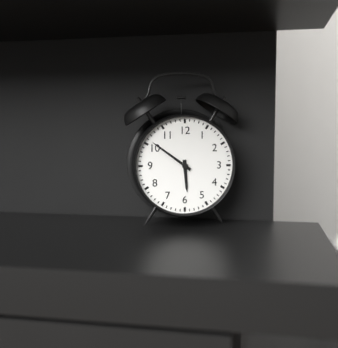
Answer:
5:51
